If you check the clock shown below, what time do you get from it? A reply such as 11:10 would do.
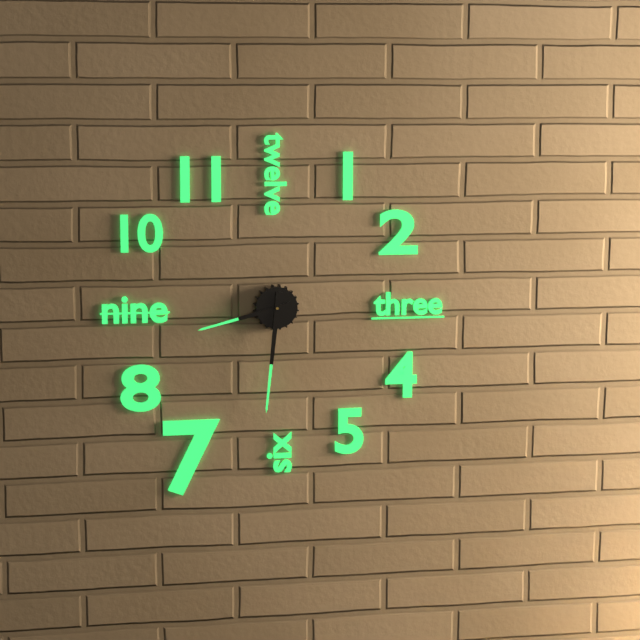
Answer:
8:31
